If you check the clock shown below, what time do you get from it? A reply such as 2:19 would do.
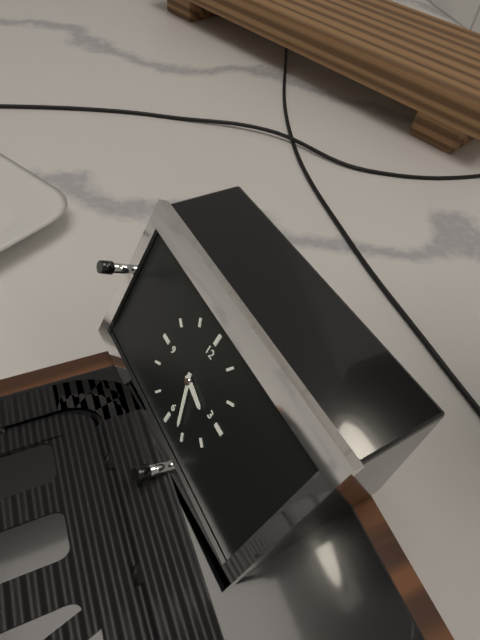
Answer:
3:26
